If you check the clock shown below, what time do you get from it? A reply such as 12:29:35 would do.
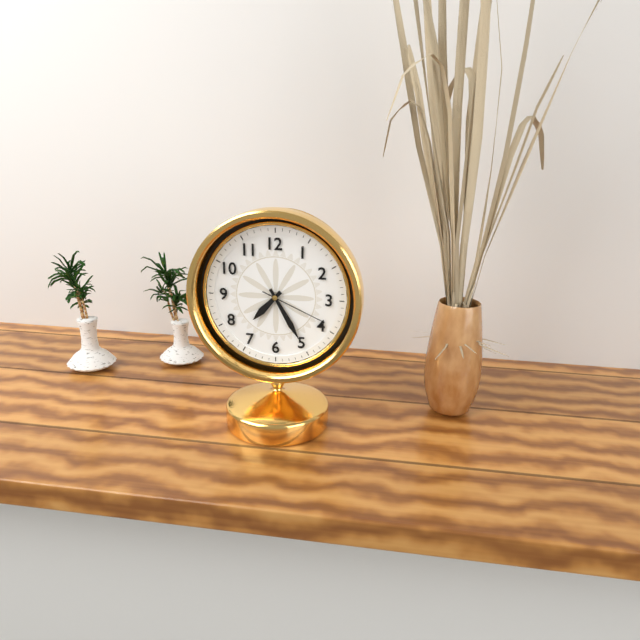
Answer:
7:25:19
